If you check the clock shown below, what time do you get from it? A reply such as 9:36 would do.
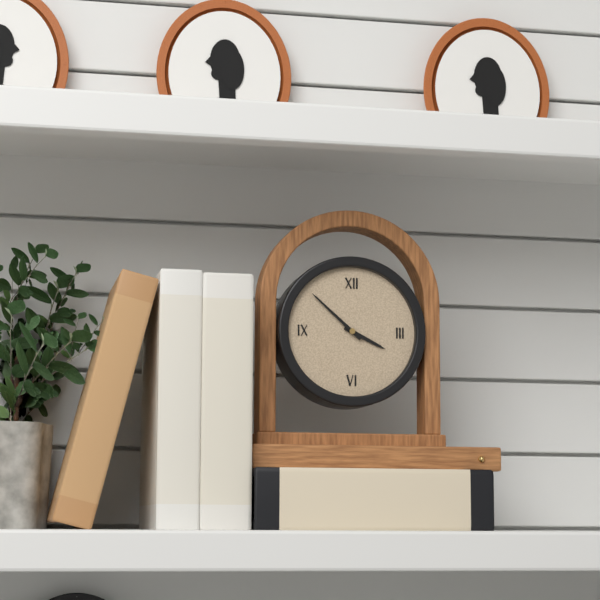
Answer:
3:52
